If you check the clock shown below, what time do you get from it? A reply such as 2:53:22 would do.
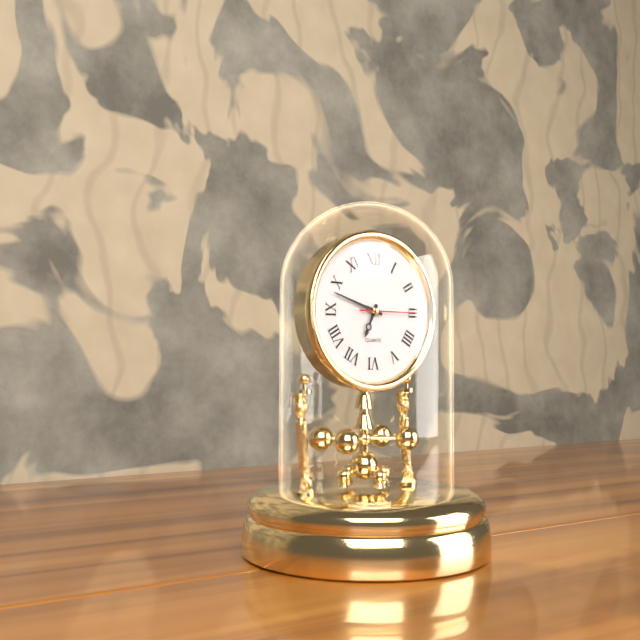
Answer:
6:48:15
